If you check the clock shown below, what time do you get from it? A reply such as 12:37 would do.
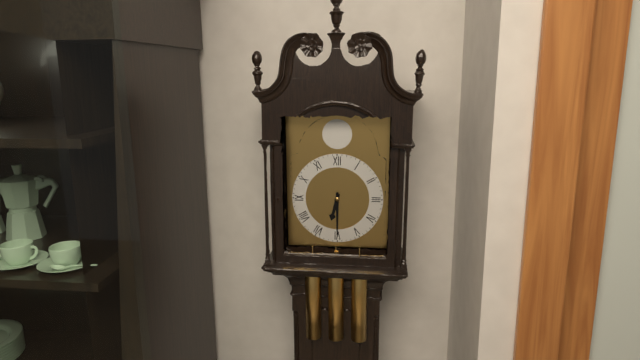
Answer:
6:30
